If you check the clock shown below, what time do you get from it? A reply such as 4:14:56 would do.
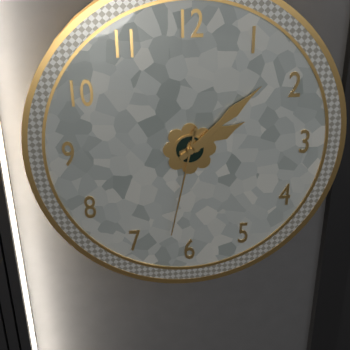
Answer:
2:08:32
